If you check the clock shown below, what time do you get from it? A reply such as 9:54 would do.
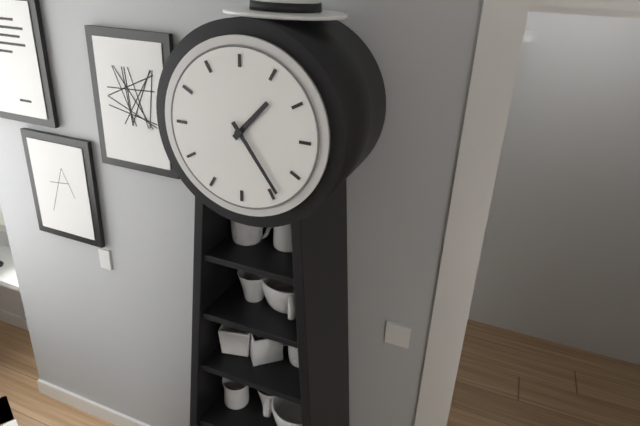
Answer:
1:24
